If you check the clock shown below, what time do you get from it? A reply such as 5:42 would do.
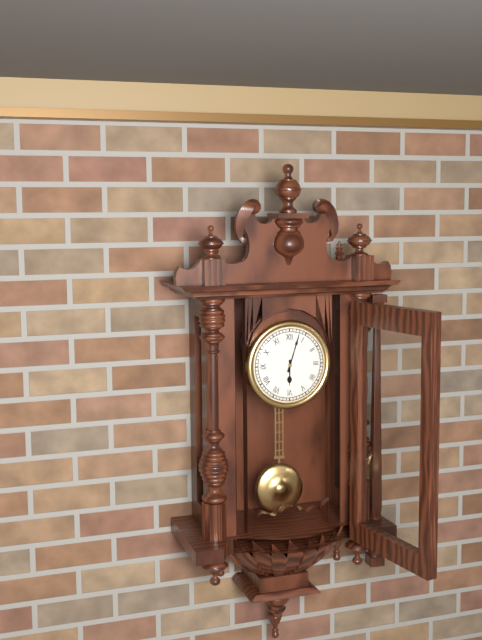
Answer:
6:03
